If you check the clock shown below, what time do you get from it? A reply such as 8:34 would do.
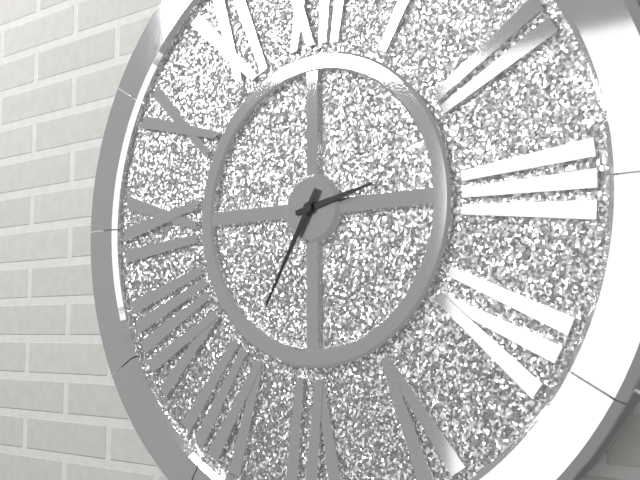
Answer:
2:35
